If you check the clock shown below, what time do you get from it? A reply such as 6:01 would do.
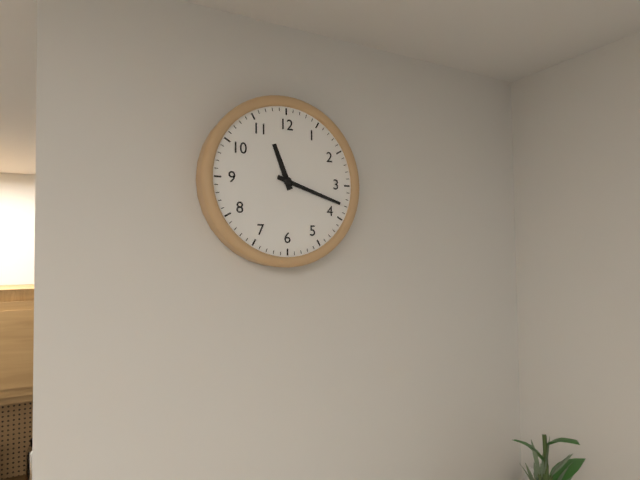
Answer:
11:18
